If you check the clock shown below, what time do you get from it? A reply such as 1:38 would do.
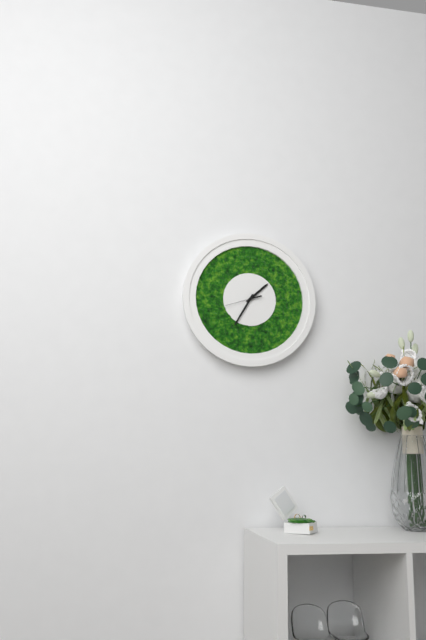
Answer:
1:35
